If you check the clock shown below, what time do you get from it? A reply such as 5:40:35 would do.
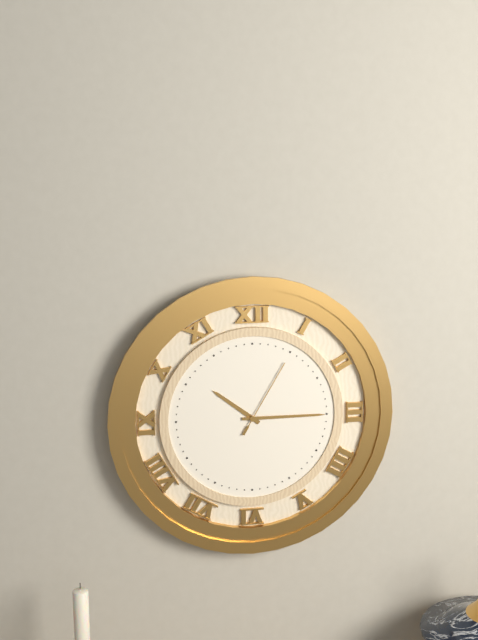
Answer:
10:15:05
